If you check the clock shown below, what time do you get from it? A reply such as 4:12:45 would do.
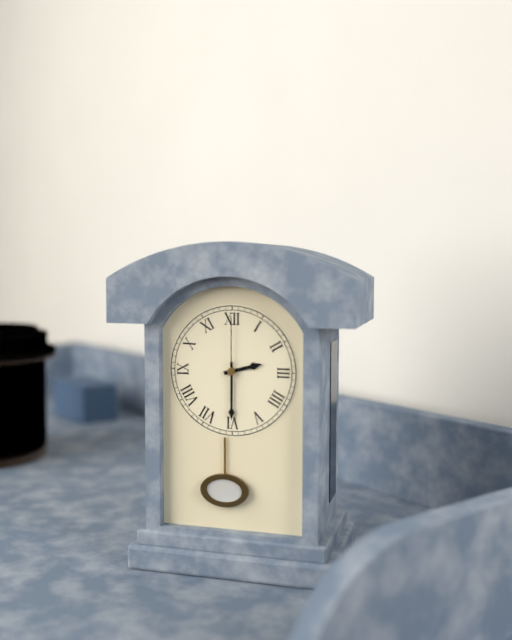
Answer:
2:30:00
